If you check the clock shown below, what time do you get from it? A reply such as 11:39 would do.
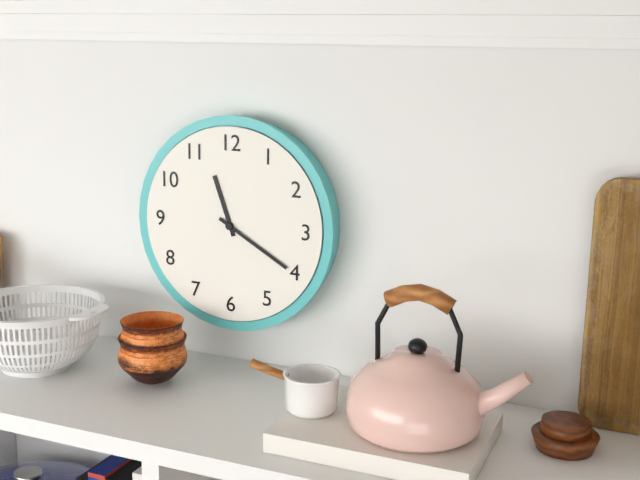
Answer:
11:20
